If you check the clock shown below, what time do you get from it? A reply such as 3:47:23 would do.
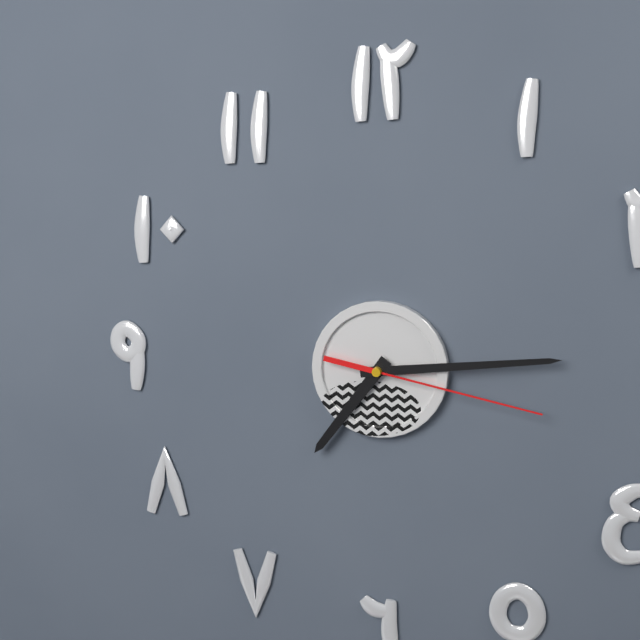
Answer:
7:14:17
